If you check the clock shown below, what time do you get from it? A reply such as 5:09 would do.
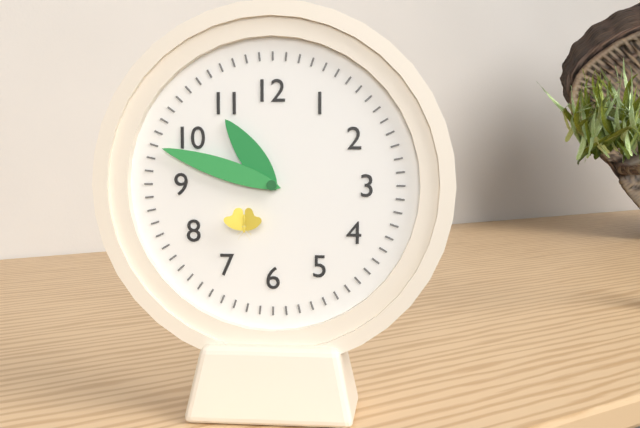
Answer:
10:48
